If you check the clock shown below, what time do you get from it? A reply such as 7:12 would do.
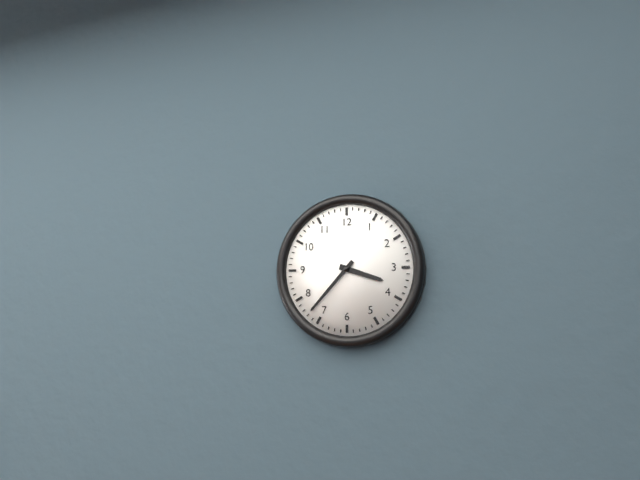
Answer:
3:37
